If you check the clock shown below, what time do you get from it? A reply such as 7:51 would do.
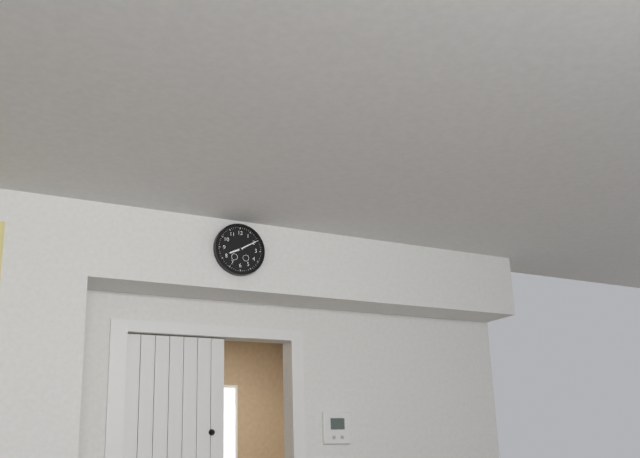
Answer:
8:10
